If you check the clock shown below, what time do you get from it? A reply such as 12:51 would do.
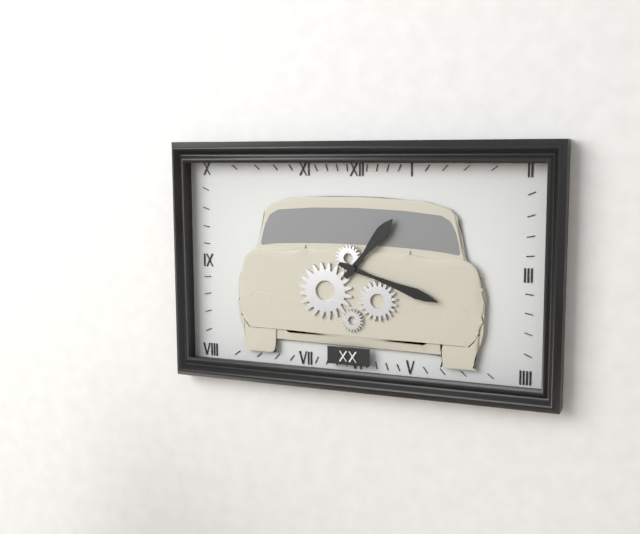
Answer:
1:18
